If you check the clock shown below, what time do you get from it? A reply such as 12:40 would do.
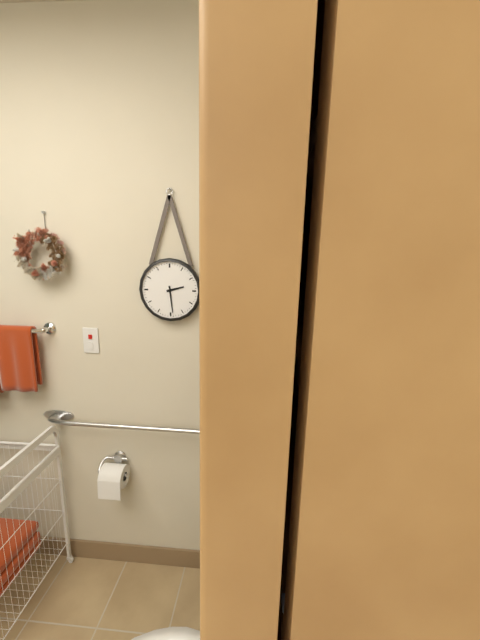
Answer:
2:29
